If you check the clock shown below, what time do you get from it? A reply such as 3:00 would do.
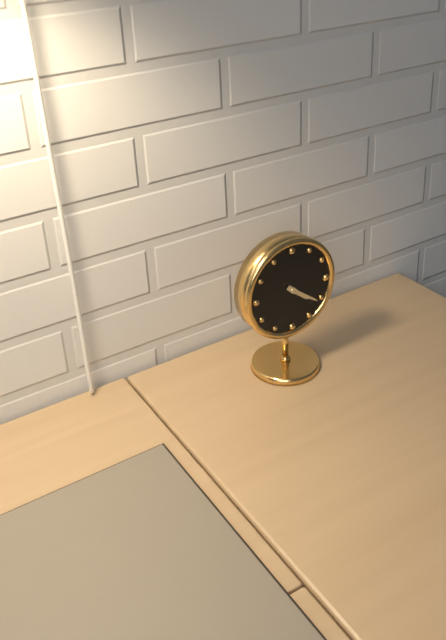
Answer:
4:21
